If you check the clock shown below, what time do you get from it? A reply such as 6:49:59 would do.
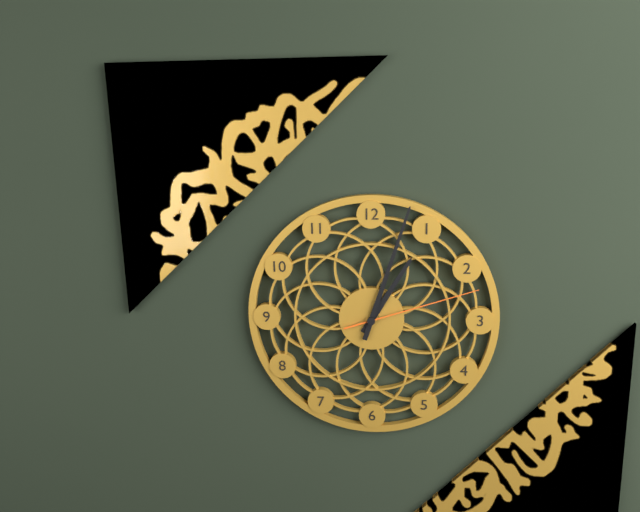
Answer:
1:03:12
